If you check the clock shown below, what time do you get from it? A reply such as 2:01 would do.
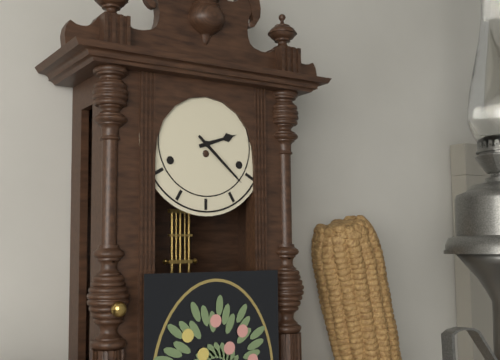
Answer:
2:22
